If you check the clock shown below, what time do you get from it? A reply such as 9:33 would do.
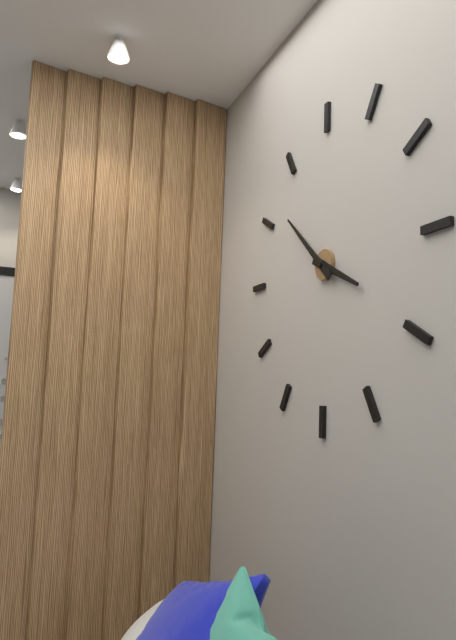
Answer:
3:52
